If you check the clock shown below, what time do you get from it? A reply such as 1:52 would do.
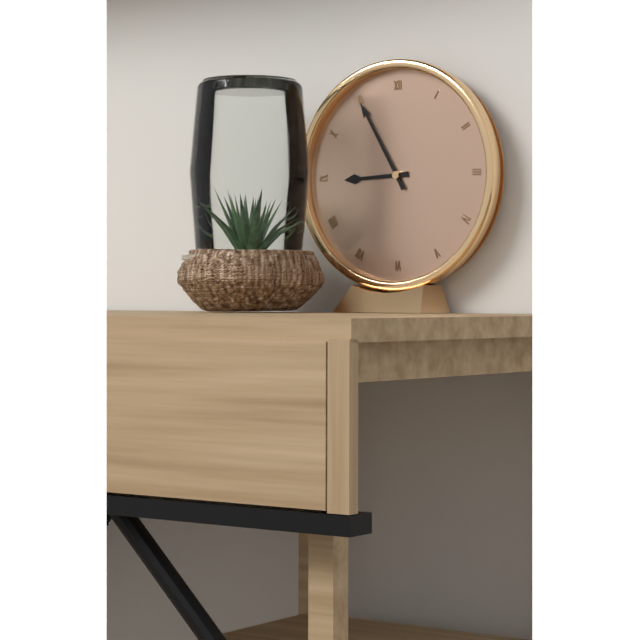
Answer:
8:55
